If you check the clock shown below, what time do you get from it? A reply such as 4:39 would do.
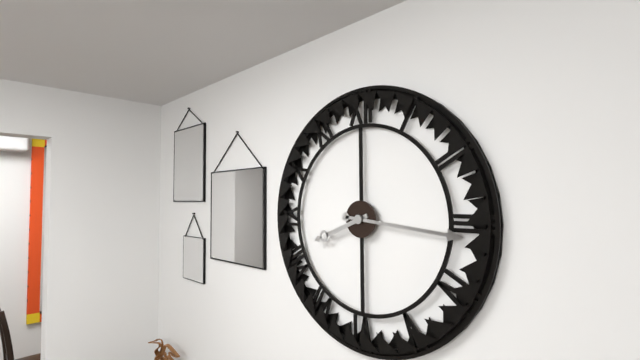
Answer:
8:16
